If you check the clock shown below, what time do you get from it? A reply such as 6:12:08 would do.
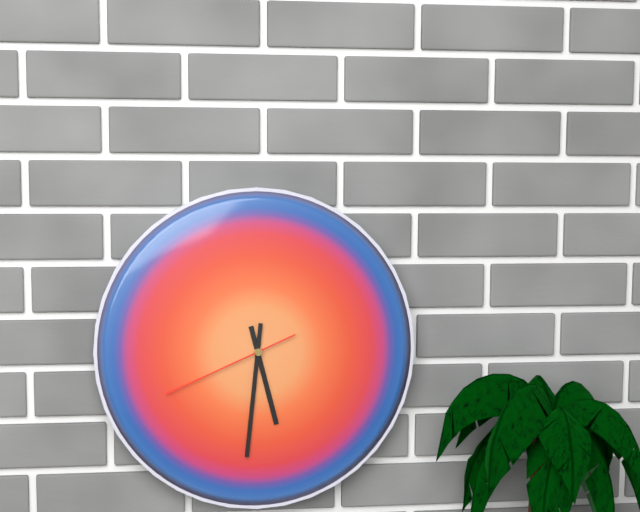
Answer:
5:31:41
